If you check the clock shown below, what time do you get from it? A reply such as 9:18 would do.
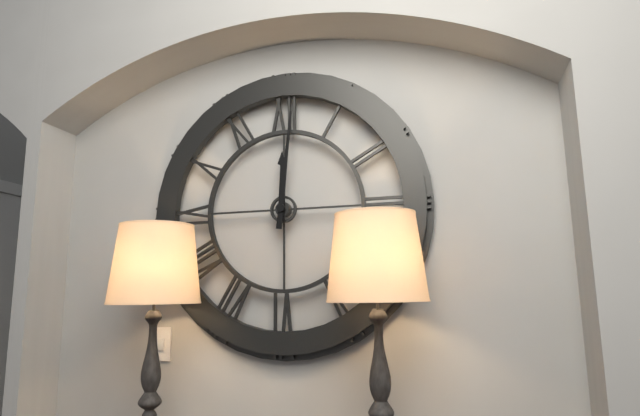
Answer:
12:01
